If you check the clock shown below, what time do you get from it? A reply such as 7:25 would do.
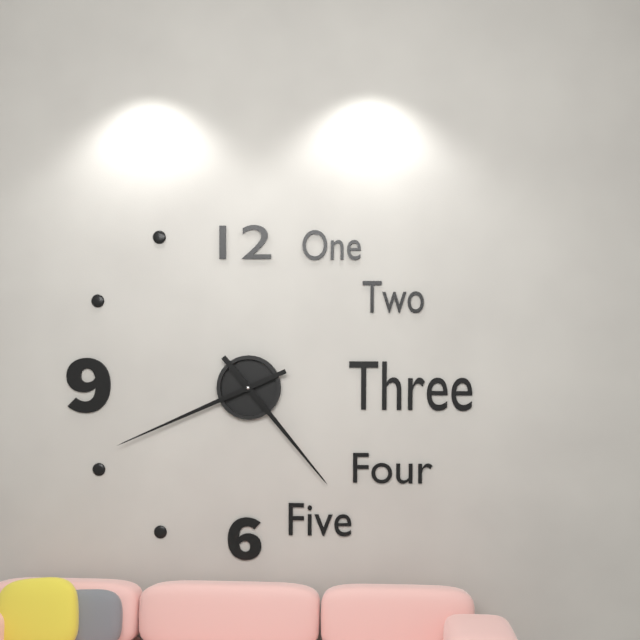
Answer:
4:41
